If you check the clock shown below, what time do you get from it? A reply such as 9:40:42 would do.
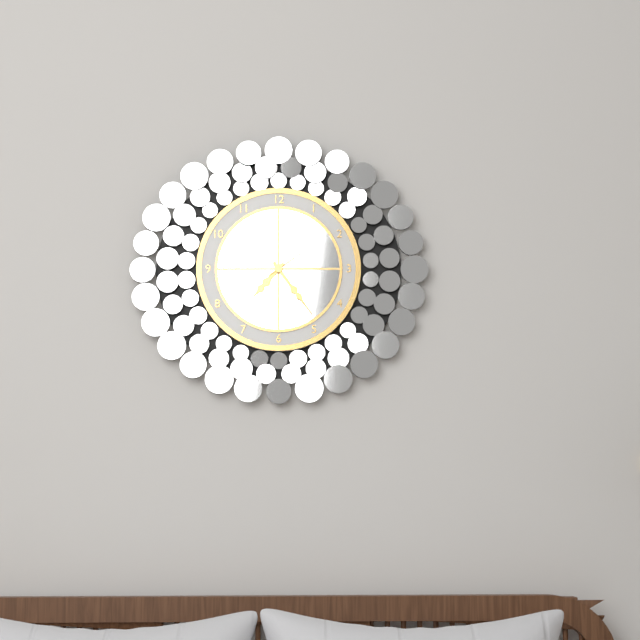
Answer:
7:24:09
